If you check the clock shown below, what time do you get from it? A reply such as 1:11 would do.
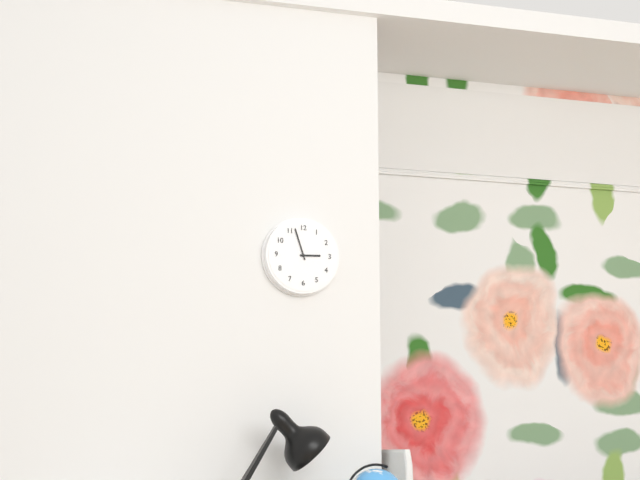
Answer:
2:57
